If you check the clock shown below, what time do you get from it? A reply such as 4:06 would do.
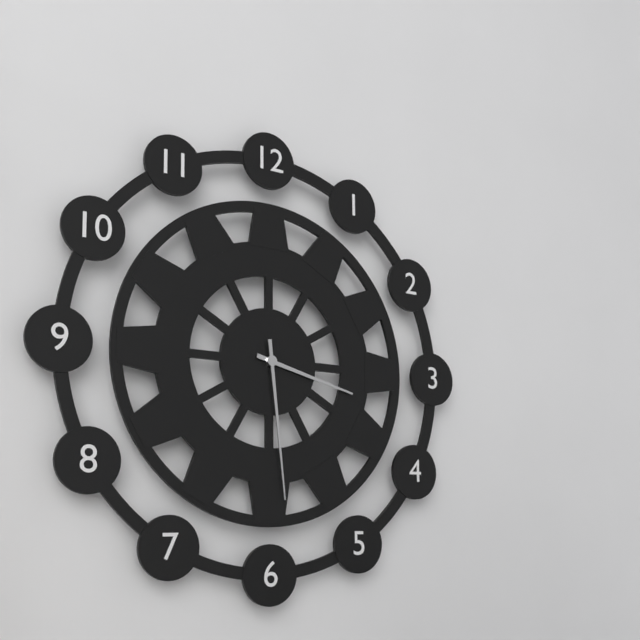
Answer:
3:29
